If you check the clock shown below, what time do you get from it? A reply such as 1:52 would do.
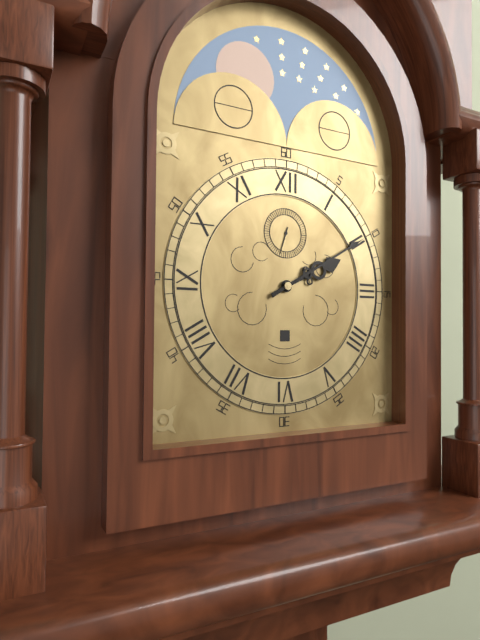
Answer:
2:10
